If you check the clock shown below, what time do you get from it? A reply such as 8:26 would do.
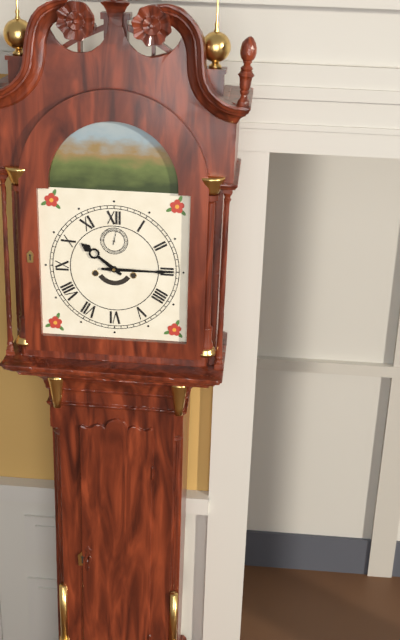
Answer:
10:15
